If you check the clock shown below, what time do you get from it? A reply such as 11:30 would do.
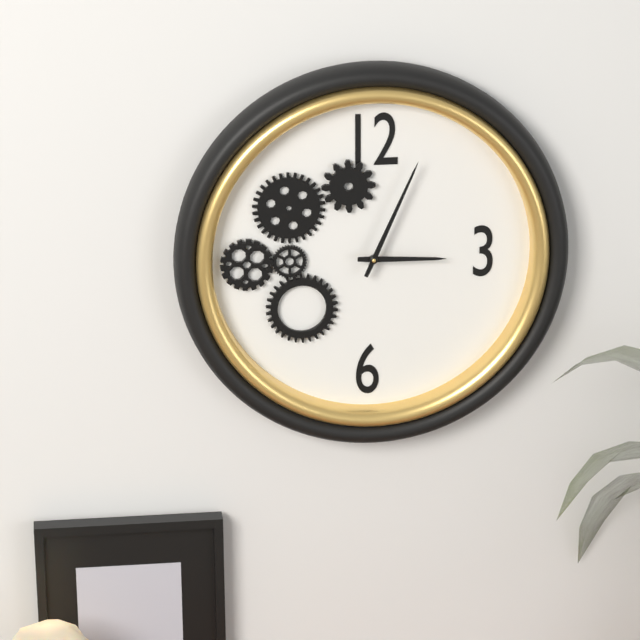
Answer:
3:04
